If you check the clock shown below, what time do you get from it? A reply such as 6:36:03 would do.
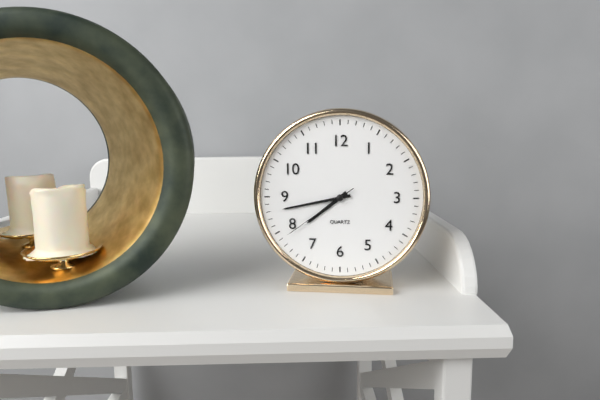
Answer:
7:43:39
